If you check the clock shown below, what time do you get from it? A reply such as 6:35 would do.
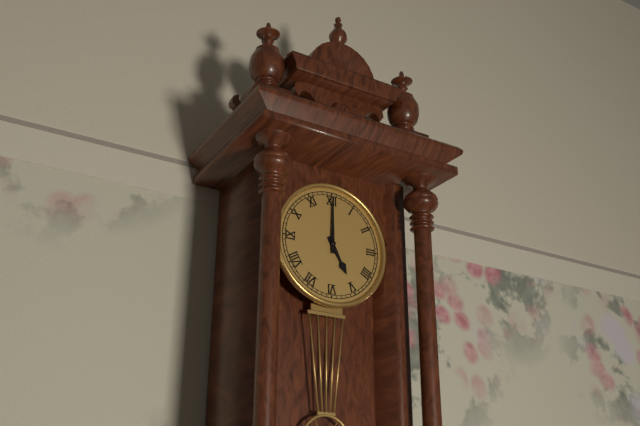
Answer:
5:00
